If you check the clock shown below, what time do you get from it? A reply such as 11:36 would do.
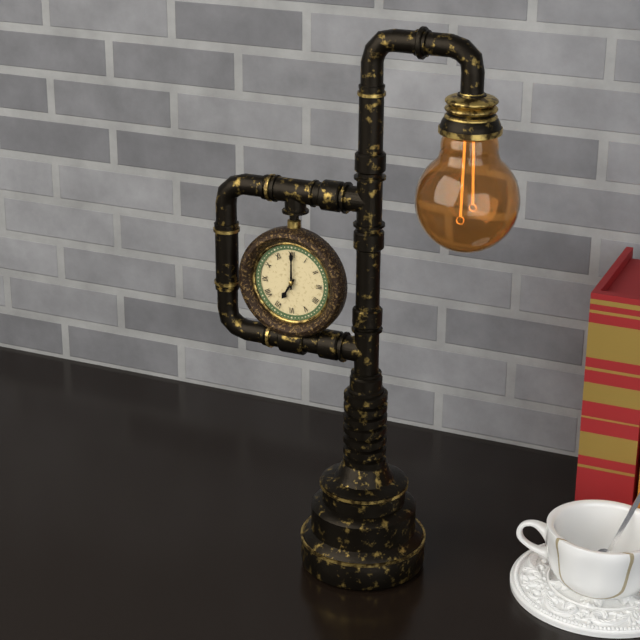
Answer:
7:00
